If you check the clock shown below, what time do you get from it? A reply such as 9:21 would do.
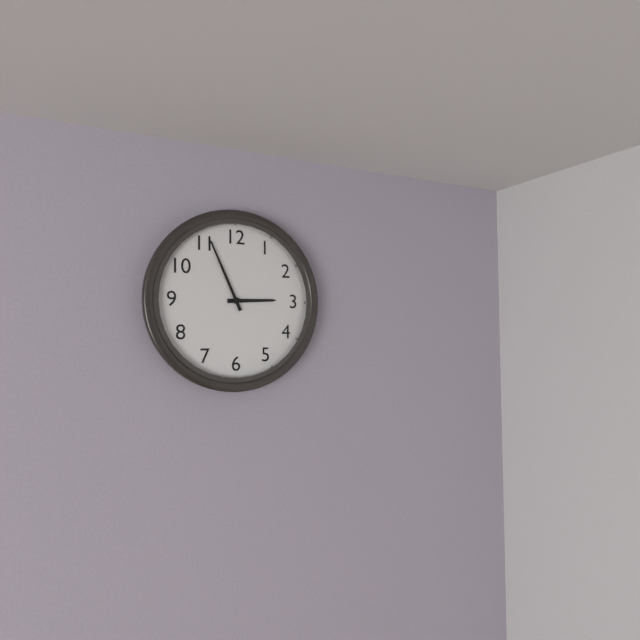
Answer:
2:56
